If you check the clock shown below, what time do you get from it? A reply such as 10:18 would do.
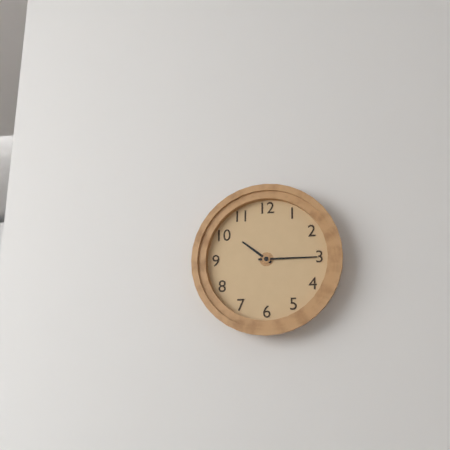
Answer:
10:15
